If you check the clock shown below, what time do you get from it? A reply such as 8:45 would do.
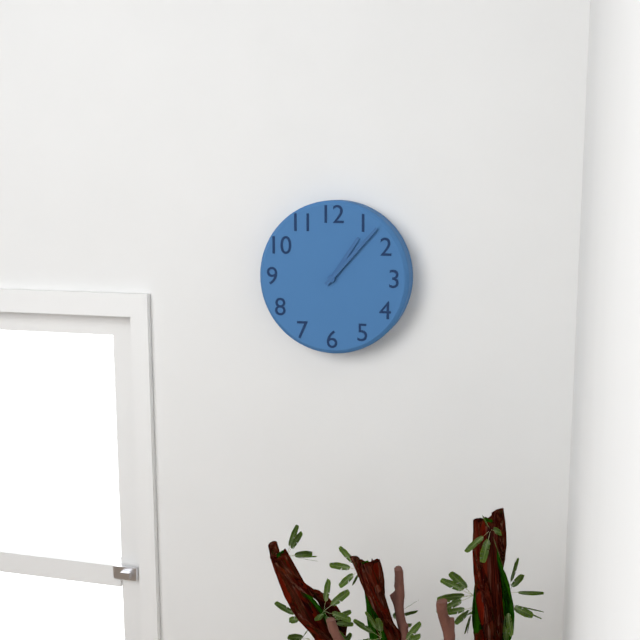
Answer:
1:07
